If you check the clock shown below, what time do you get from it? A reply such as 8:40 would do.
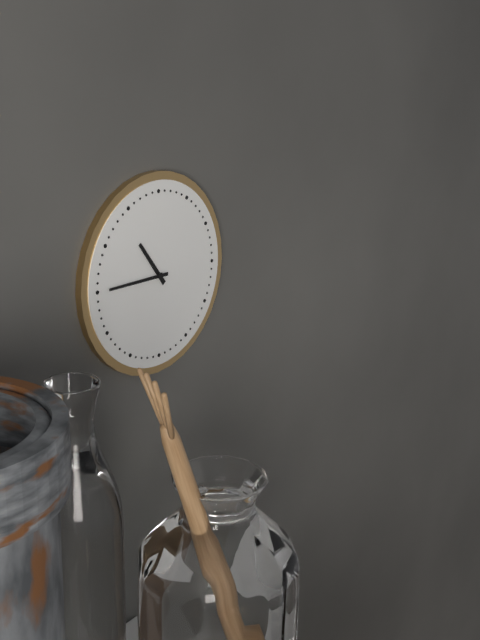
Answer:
10:45
